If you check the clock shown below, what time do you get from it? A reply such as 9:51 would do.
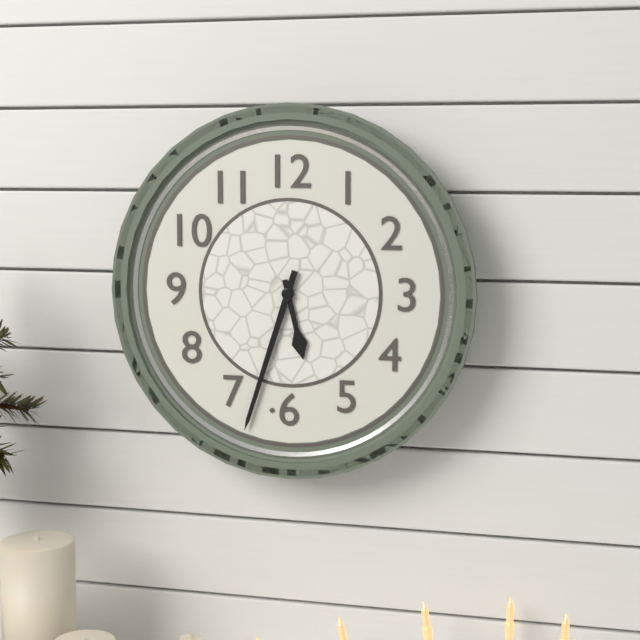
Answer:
5:33
